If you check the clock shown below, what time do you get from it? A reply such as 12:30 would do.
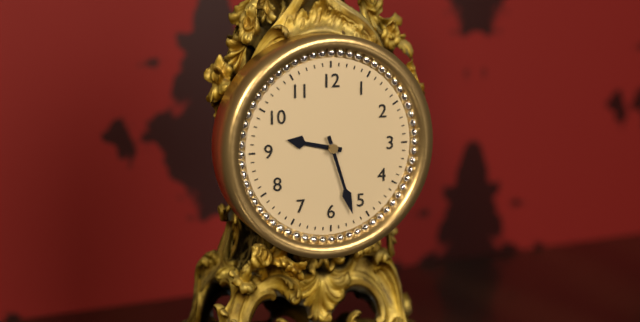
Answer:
9:27
